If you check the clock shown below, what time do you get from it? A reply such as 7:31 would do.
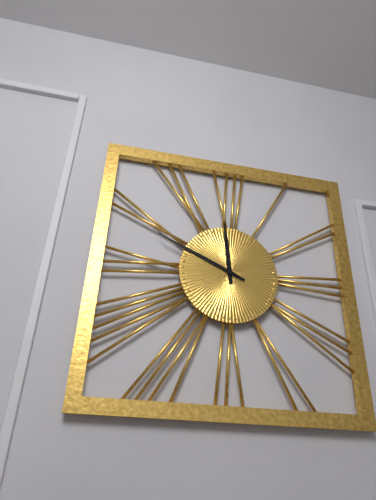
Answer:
11:49
